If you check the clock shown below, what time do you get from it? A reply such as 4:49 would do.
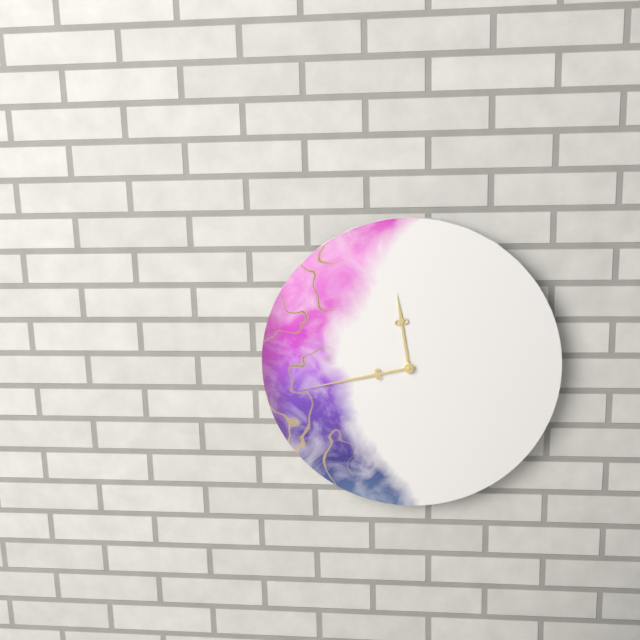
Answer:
11:43
